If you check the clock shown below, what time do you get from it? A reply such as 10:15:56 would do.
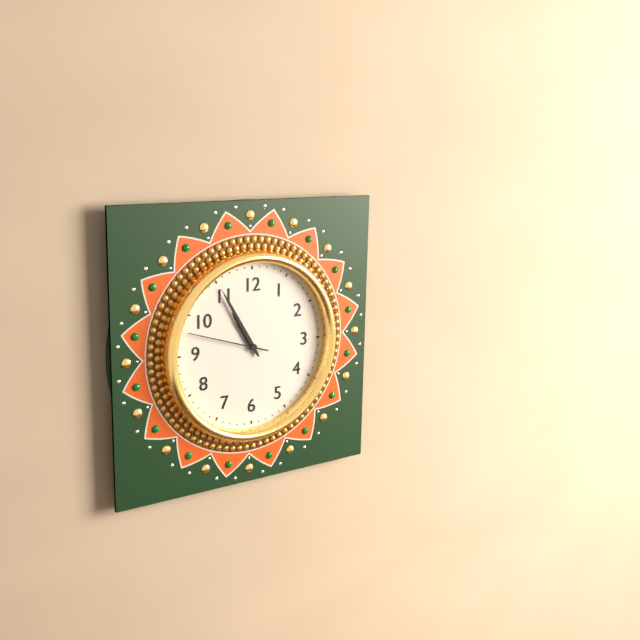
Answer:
10:55:48
